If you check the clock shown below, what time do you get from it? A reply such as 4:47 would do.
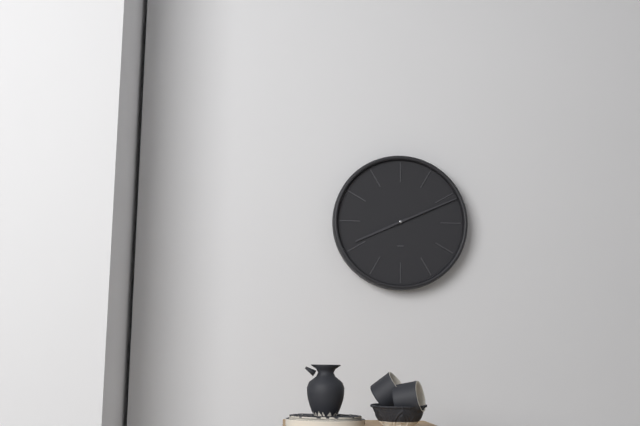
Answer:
8:11
